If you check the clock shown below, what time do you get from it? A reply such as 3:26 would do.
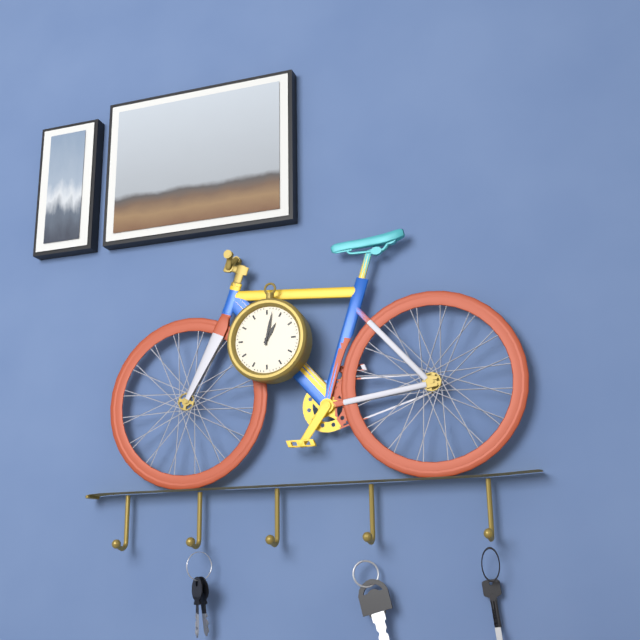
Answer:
1:02
